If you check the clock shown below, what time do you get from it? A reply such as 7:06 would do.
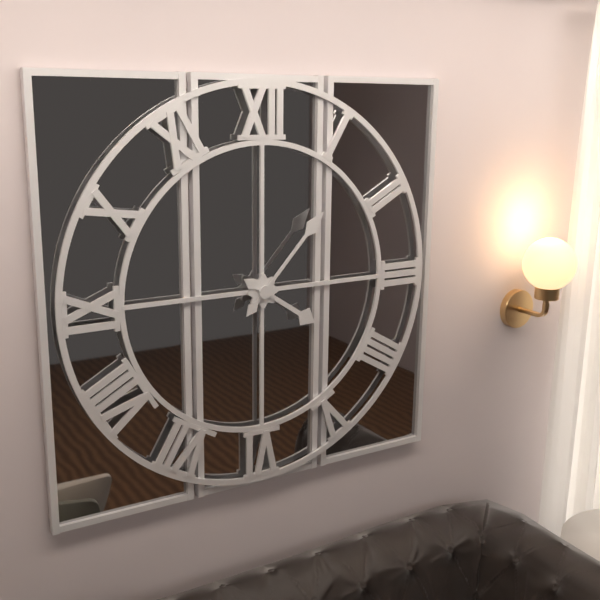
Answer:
4:07
